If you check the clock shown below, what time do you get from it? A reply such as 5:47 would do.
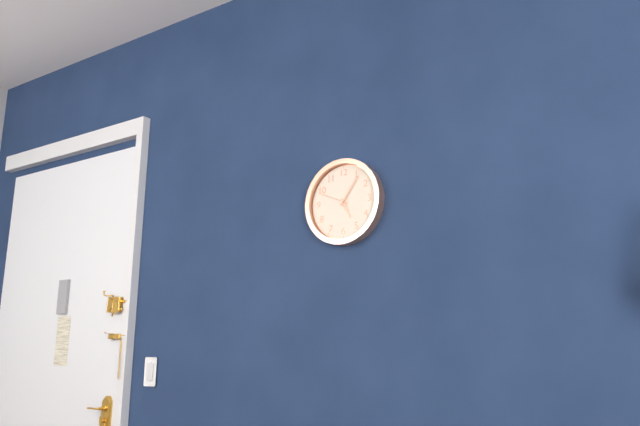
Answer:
5:06
